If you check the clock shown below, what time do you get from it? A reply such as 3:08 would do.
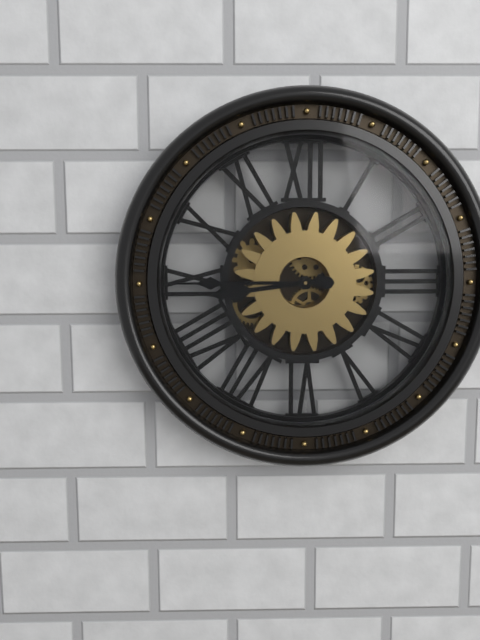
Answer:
8:45
